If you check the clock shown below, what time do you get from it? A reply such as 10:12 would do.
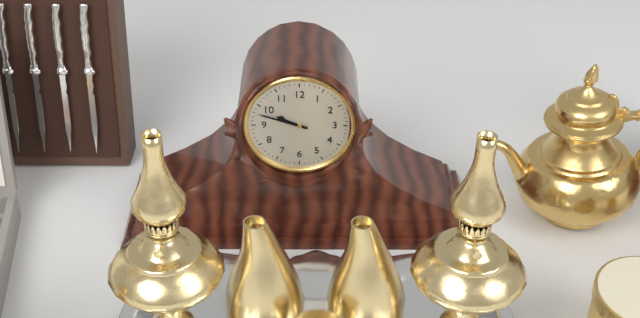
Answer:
9:48
